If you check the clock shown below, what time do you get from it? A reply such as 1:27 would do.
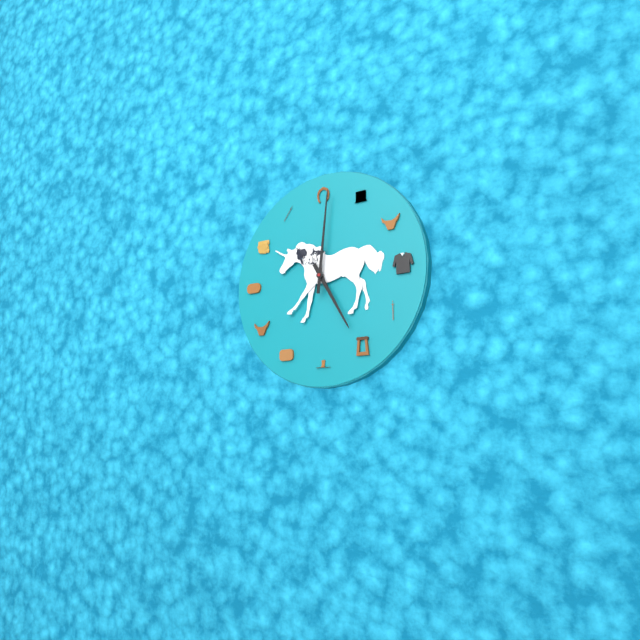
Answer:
5:01
